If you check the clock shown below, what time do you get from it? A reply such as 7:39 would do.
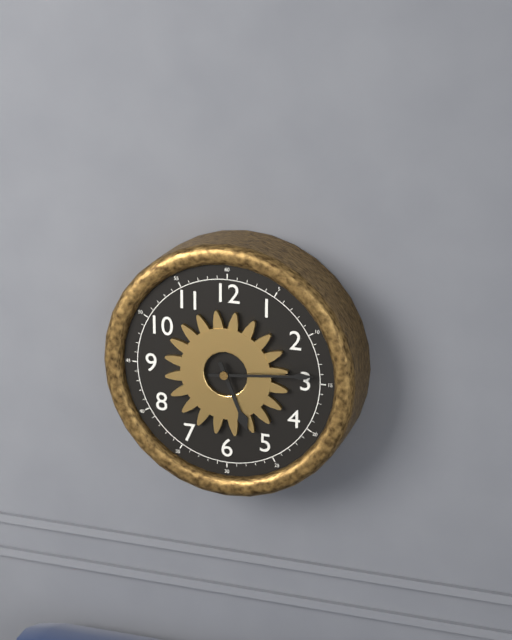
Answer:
5:14
